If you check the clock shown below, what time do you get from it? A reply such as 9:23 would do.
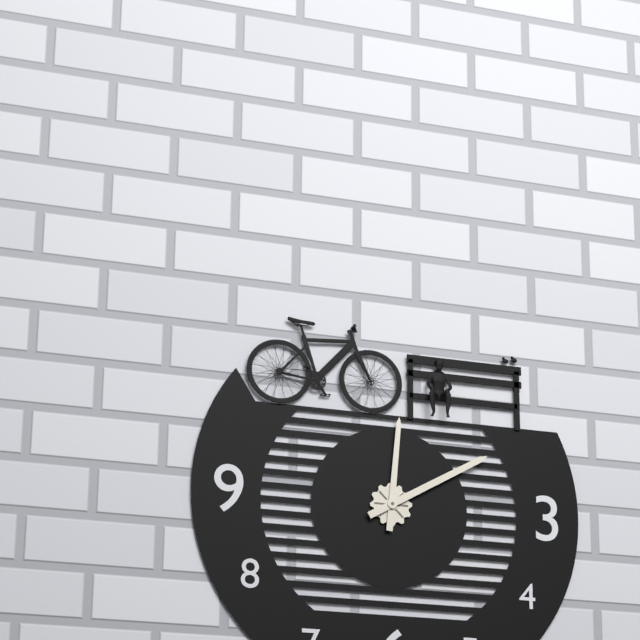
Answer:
12:10
